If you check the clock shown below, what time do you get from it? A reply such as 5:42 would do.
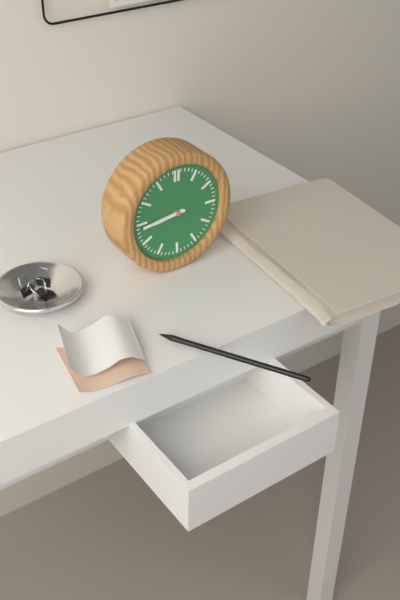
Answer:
8:44
